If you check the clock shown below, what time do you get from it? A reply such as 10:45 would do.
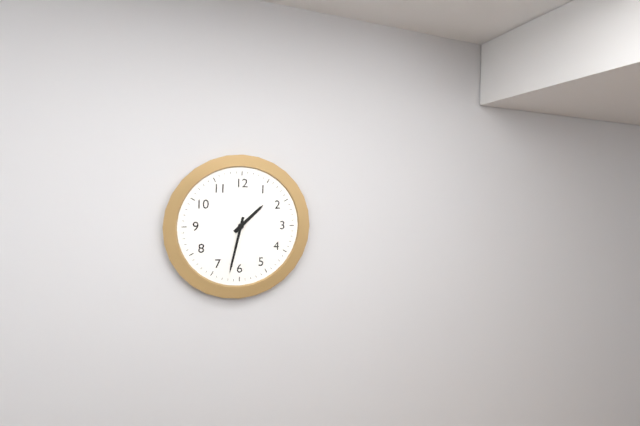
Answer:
1:32
